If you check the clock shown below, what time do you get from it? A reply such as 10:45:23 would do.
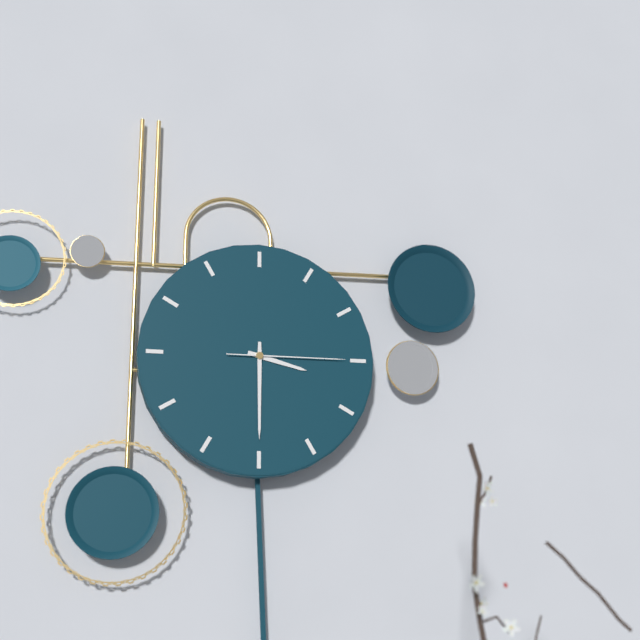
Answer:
3:30:15
